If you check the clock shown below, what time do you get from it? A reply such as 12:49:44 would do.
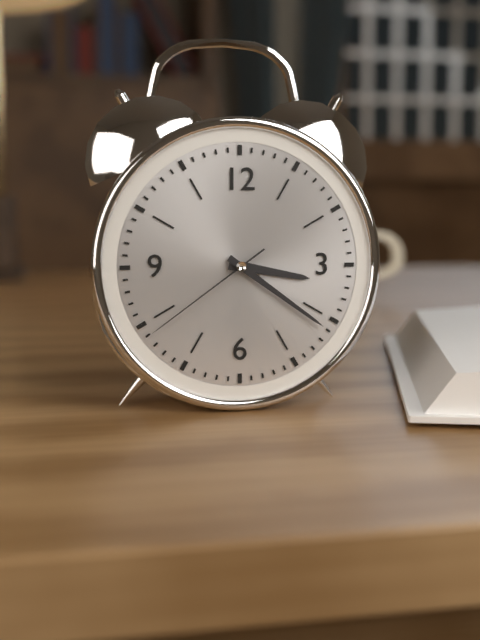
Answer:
3:21:39
